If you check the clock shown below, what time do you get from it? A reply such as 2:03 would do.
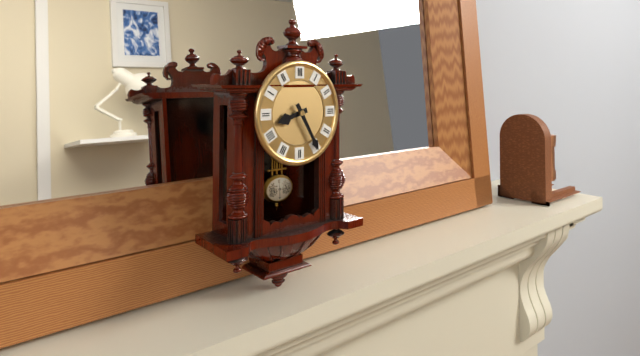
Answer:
8:25
